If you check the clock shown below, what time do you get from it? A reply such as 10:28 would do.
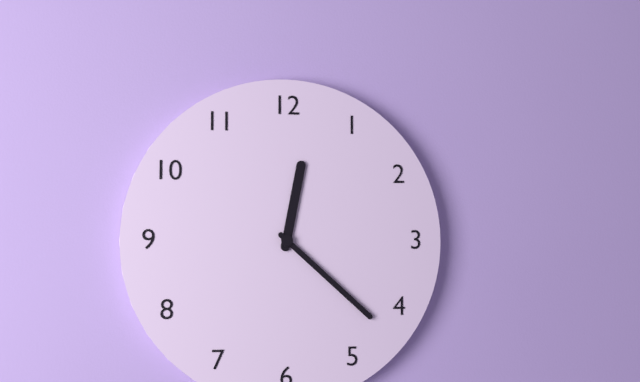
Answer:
12:22
